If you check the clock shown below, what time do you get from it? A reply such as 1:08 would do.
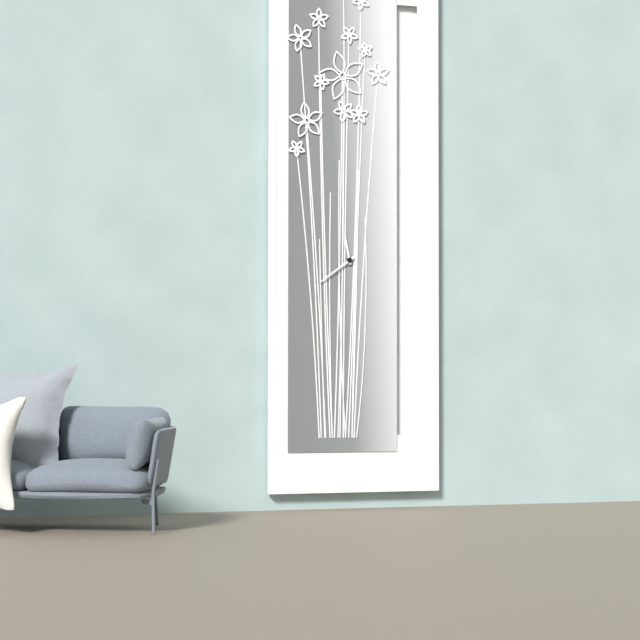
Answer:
11:39
